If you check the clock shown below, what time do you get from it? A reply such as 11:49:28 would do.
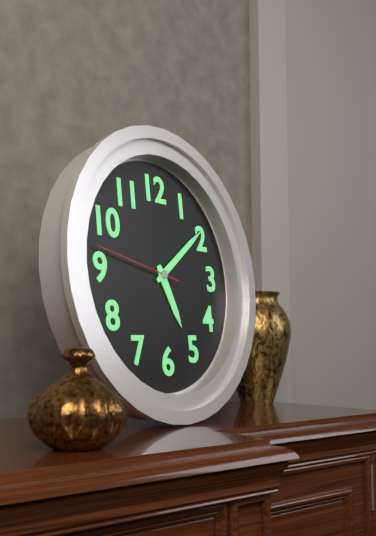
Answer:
5:09:47
